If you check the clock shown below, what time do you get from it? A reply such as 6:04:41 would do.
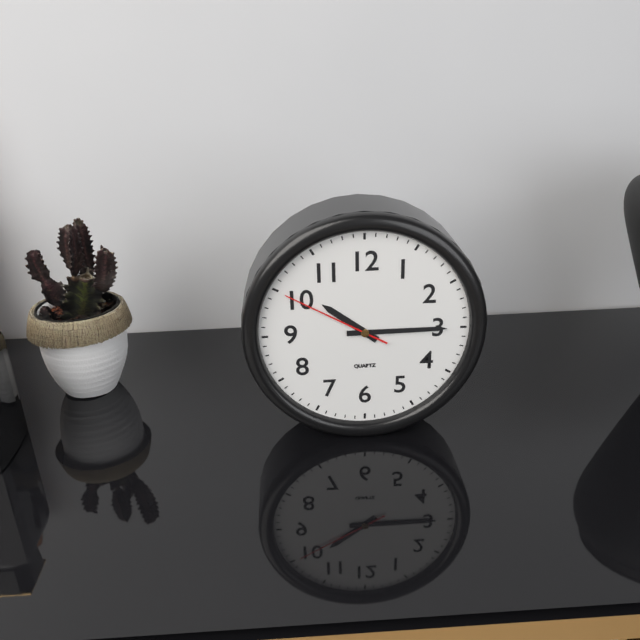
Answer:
10:15:50
